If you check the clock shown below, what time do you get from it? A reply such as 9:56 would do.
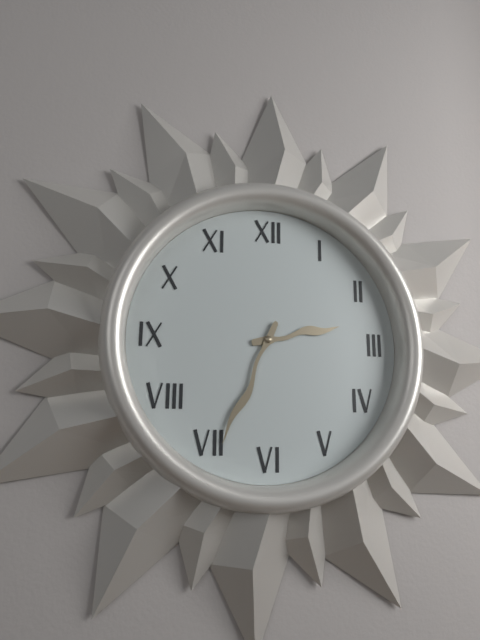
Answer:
2:34
